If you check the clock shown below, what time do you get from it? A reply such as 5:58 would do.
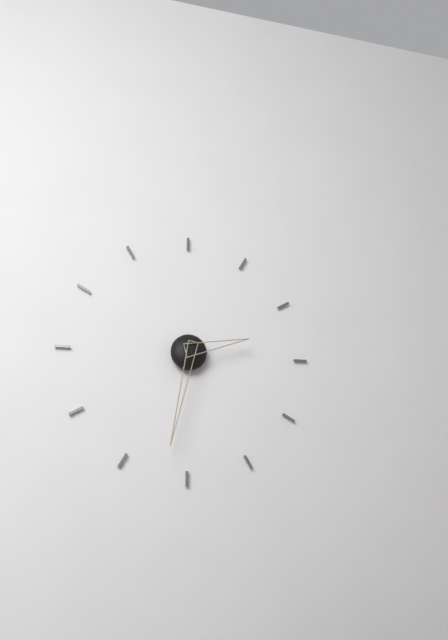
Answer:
2:32
